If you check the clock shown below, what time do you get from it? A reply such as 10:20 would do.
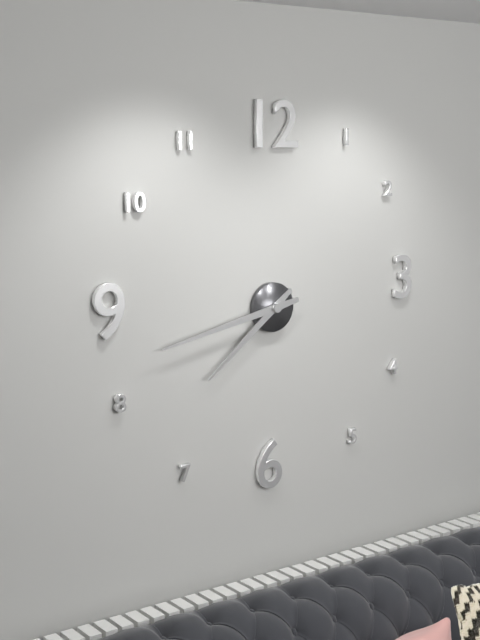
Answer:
7:43
